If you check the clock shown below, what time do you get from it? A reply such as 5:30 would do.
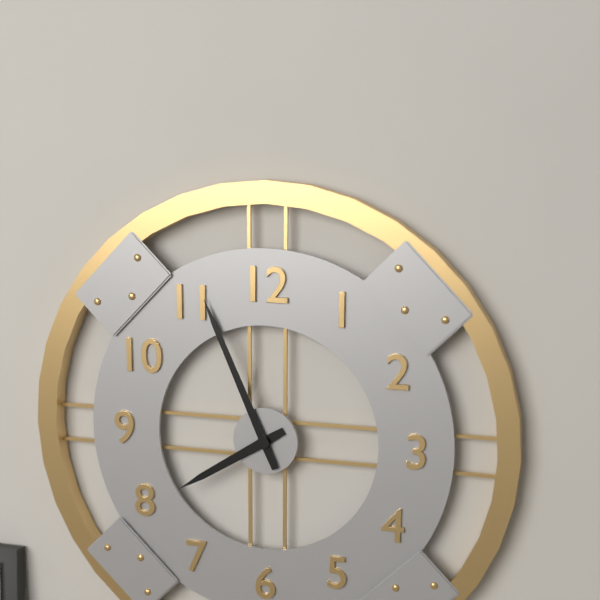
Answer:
7:56
